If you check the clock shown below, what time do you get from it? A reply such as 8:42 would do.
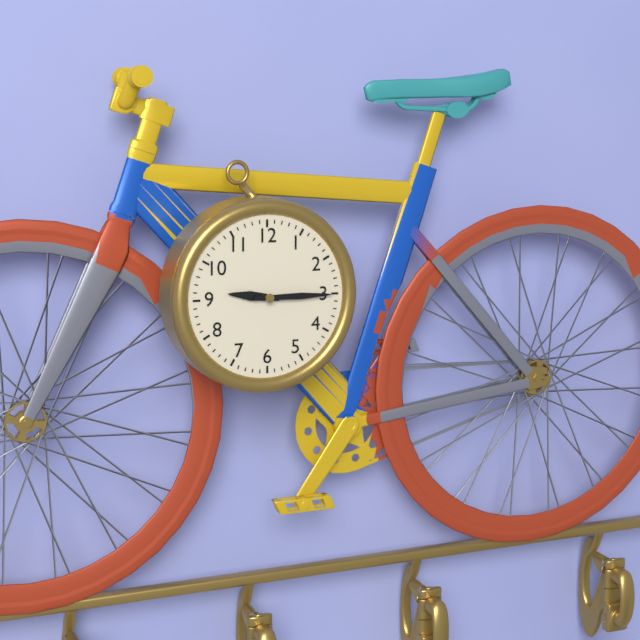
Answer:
9:15
